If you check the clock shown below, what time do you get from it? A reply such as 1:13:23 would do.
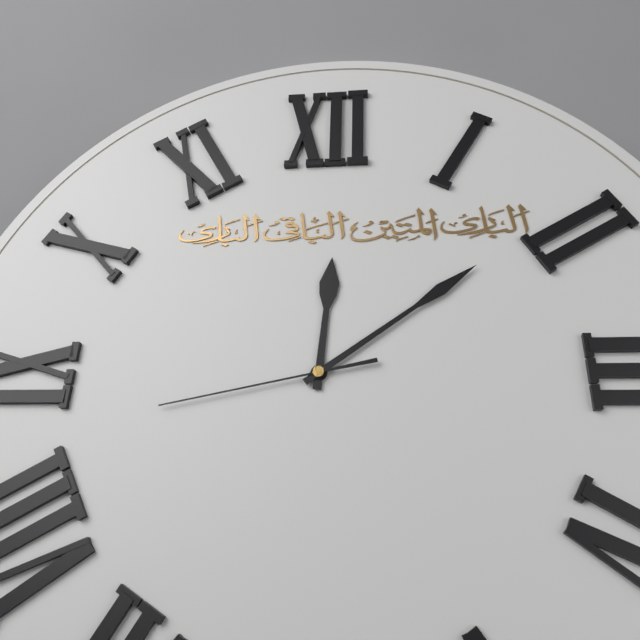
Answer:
12:09:43
